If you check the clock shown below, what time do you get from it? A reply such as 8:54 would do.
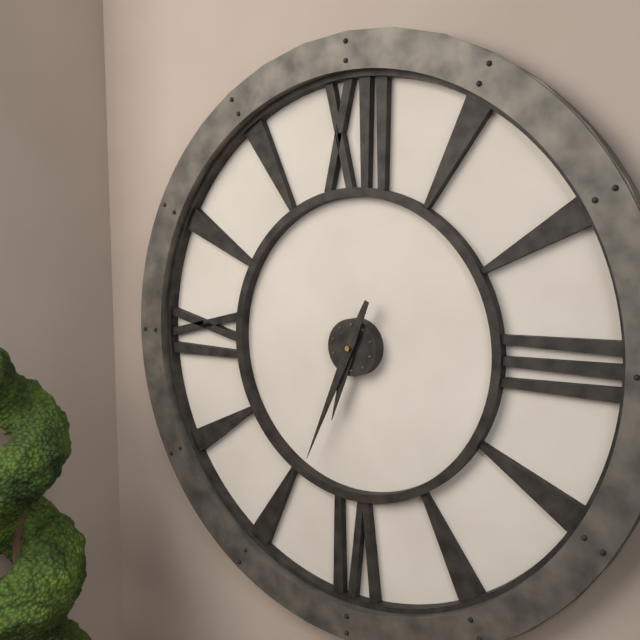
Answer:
6:34
